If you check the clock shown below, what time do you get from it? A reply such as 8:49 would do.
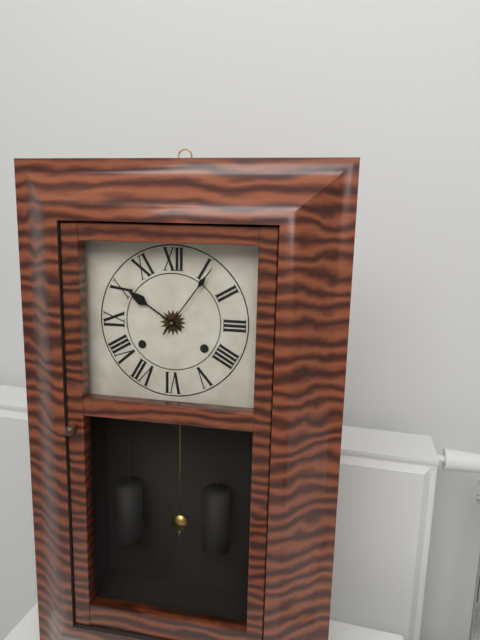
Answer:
10:06
